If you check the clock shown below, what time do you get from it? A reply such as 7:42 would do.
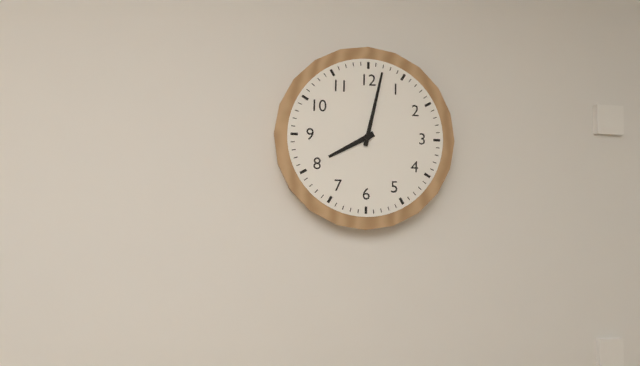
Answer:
8:02
